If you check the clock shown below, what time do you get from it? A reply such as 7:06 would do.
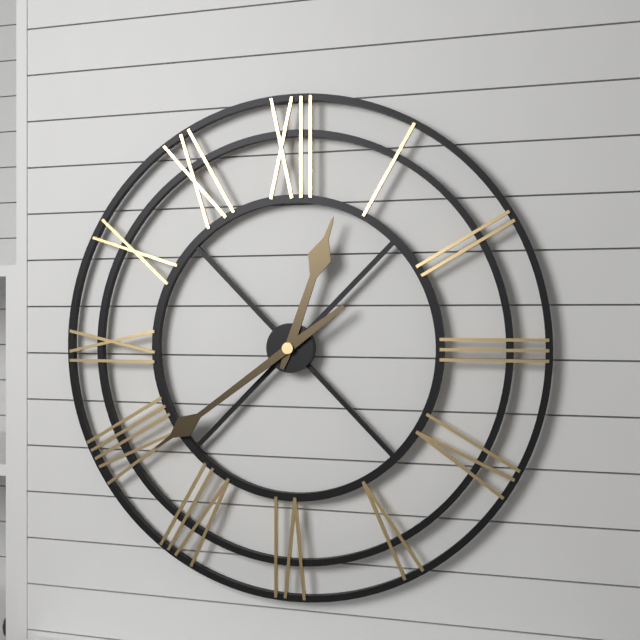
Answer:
12:39
